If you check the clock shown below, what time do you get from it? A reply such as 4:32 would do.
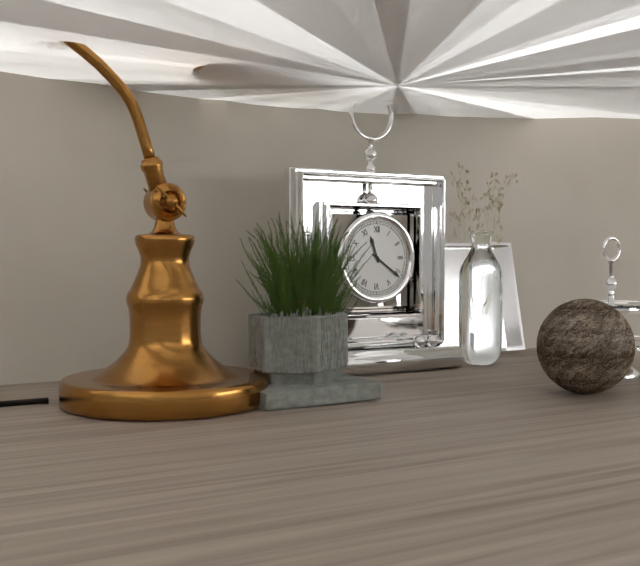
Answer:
11:21
